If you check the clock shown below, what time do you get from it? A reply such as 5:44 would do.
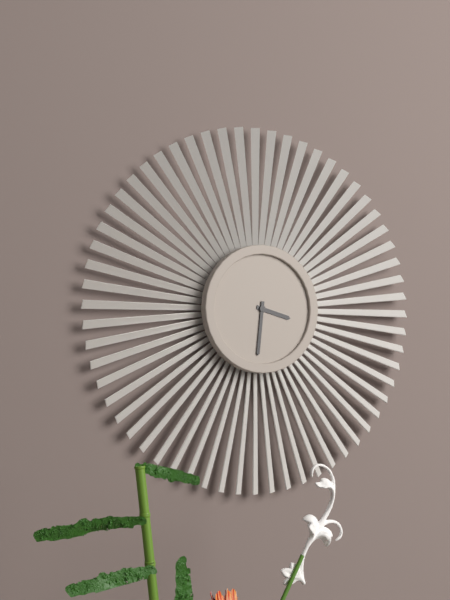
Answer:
3:31
